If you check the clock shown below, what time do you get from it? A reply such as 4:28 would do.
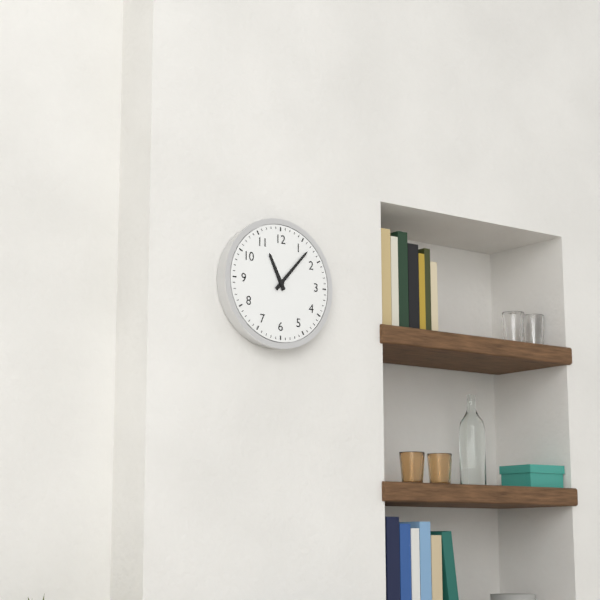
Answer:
11:07
